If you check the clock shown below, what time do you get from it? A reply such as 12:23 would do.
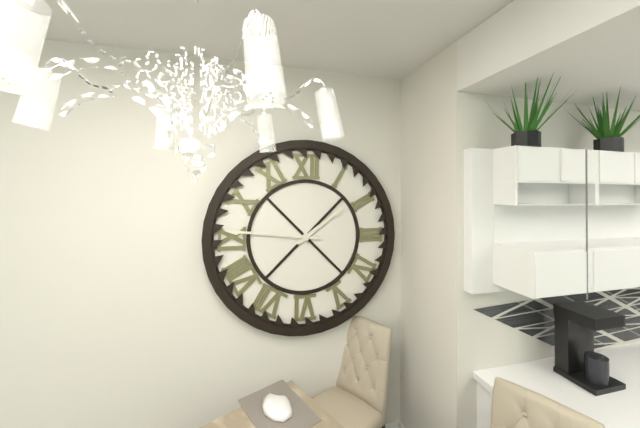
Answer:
1:46
